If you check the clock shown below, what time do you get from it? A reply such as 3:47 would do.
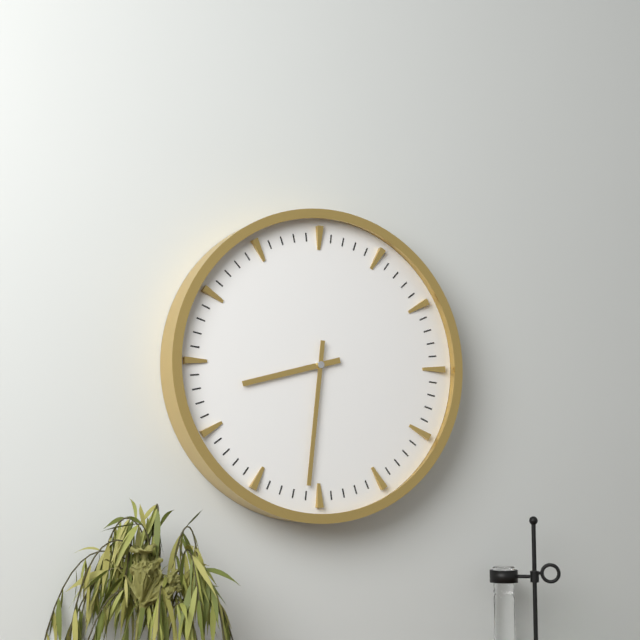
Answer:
8:31
